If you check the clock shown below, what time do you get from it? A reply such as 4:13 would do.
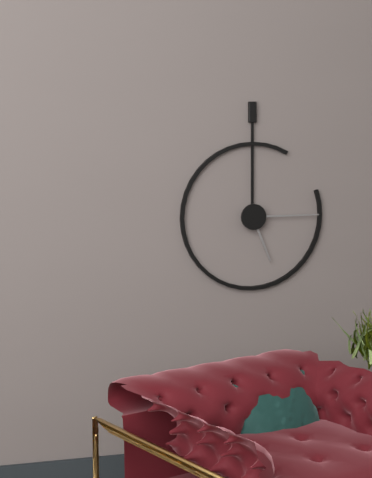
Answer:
5:15
